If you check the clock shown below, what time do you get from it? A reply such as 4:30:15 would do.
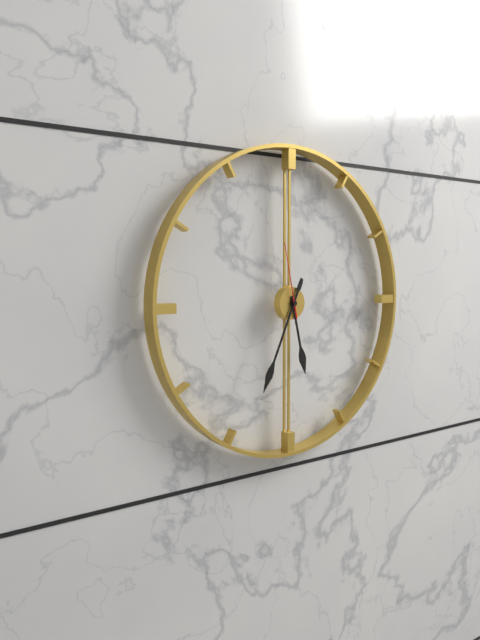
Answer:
5:34:58
